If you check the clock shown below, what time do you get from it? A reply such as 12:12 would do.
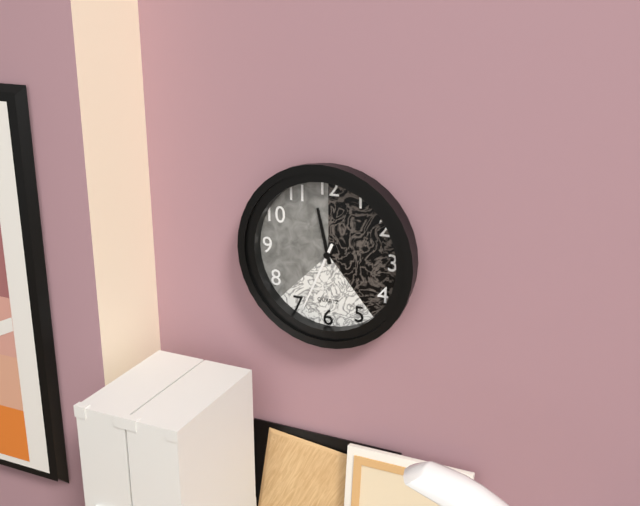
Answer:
11:34
